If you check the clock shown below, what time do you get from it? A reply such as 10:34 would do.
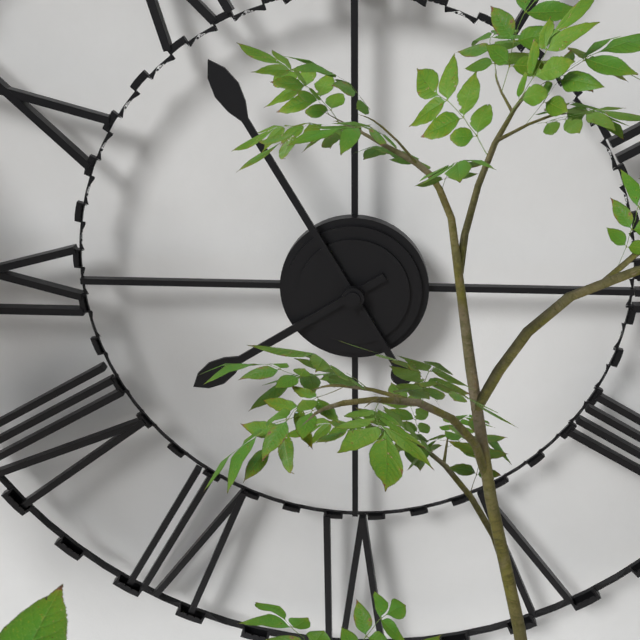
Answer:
7:55
